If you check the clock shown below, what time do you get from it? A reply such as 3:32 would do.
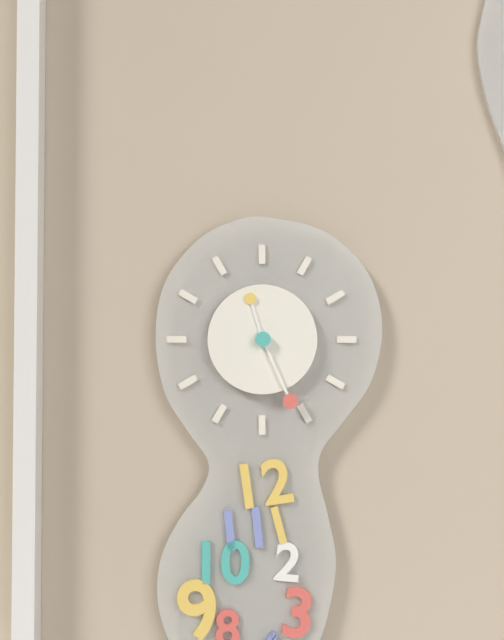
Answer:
11:26
